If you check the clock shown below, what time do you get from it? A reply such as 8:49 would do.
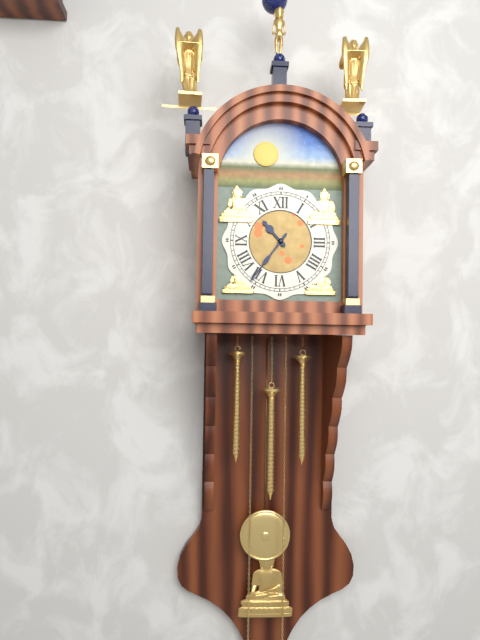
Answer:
10:36
